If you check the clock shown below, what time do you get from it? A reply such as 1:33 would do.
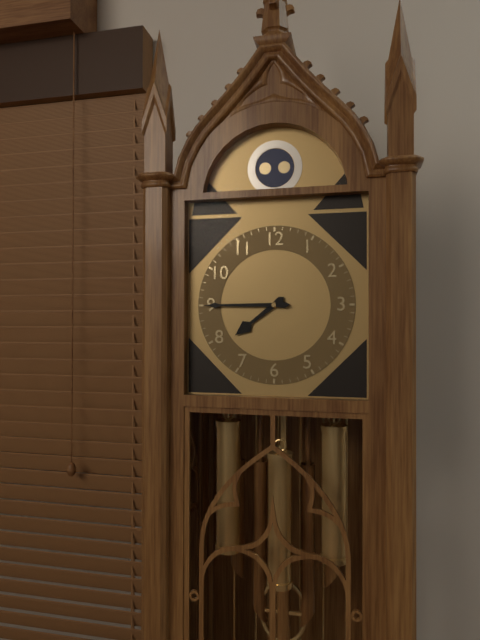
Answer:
7:45
